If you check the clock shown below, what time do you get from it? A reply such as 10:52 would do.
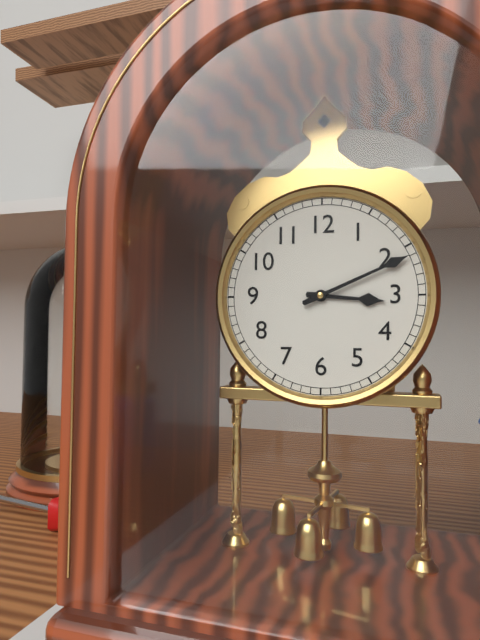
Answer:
3:11
